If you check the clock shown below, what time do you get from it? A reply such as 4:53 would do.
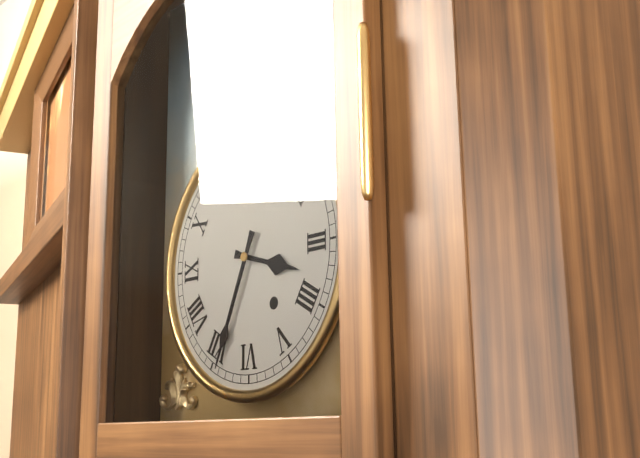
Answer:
3:34
